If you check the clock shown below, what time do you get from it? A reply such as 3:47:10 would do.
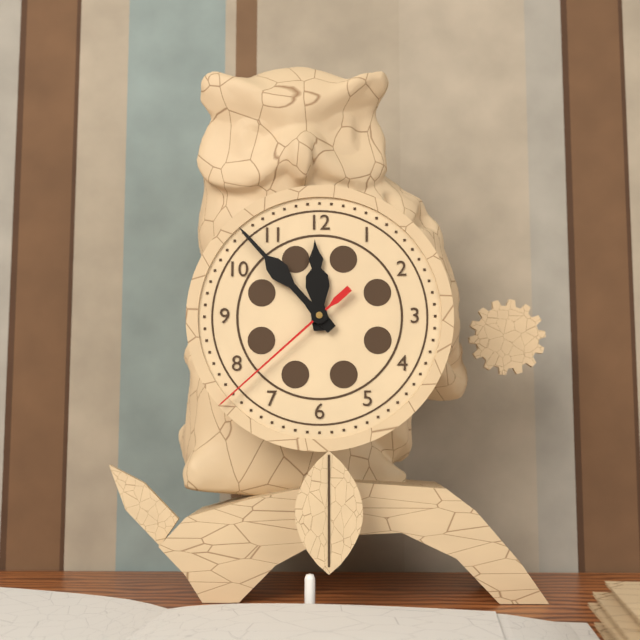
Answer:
11:53:38
